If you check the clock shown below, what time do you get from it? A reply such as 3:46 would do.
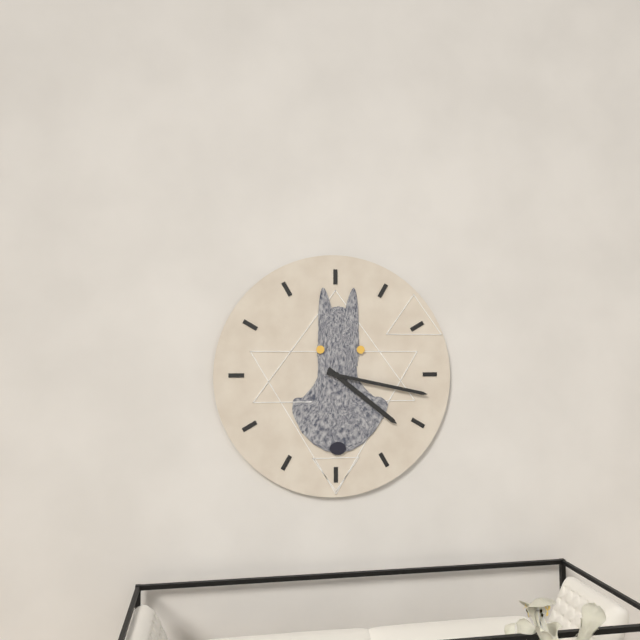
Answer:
4:17
